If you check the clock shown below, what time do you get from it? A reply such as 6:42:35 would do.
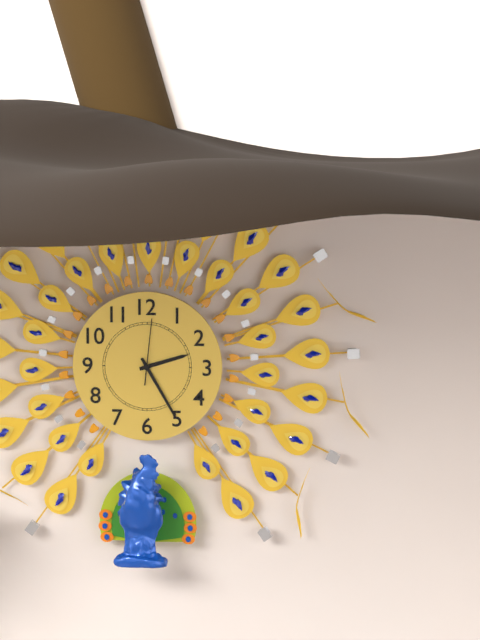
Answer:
2:25:01
